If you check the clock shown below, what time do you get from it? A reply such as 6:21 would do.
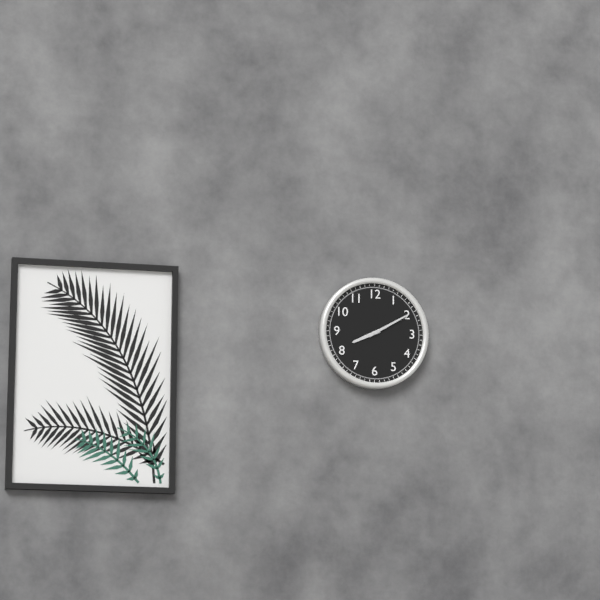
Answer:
8:10
